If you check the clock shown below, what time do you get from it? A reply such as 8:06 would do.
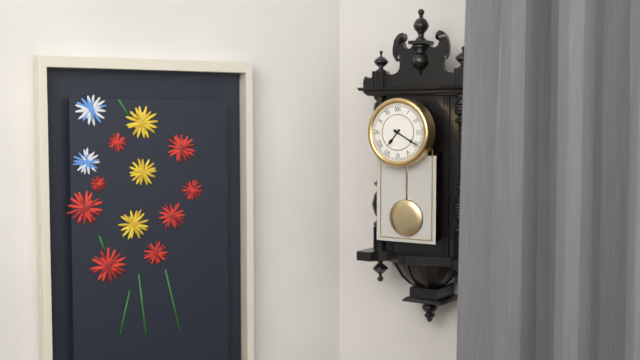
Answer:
7:20
